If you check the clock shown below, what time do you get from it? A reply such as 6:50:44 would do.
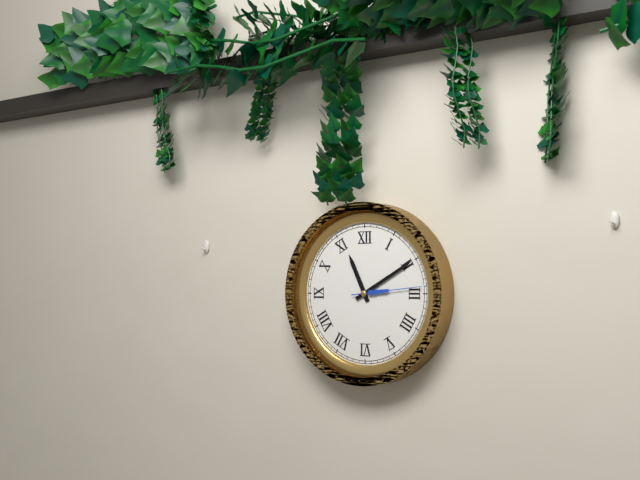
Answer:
11:10:14
